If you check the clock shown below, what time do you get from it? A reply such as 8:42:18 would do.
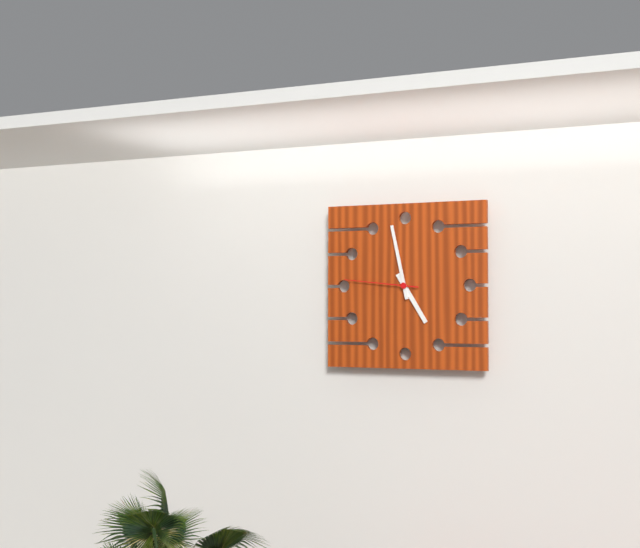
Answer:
4:58:46
